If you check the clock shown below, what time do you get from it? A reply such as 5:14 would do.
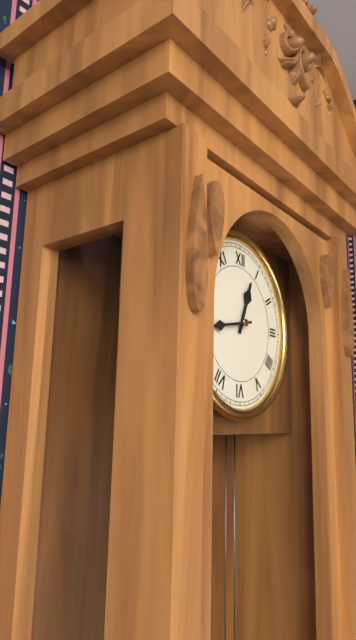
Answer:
12:43
